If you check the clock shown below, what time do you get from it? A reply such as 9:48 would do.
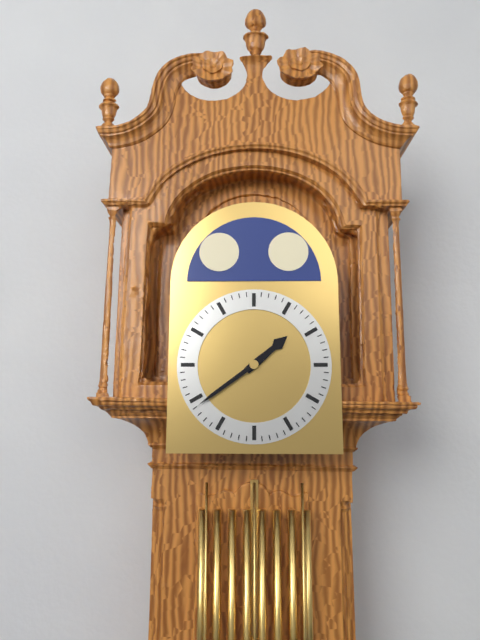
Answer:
1:39
